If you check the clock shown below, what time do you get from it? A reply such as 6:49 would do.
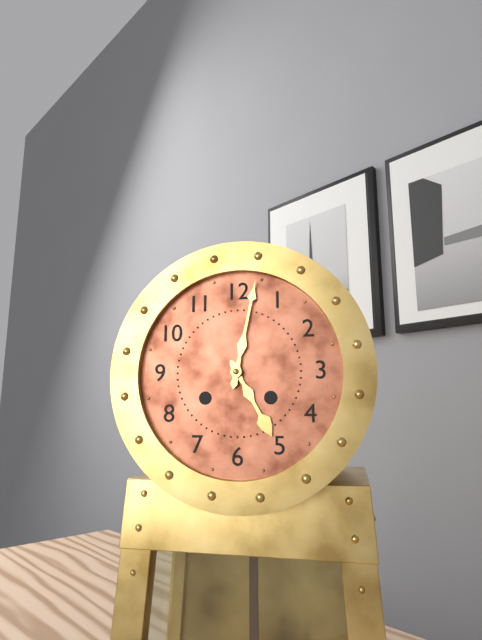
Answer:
5:02
